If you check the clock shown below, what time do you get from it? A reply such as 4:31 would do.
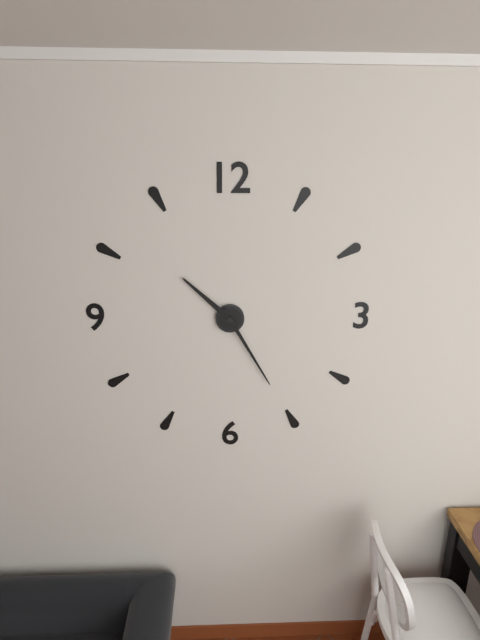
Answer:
10:25
